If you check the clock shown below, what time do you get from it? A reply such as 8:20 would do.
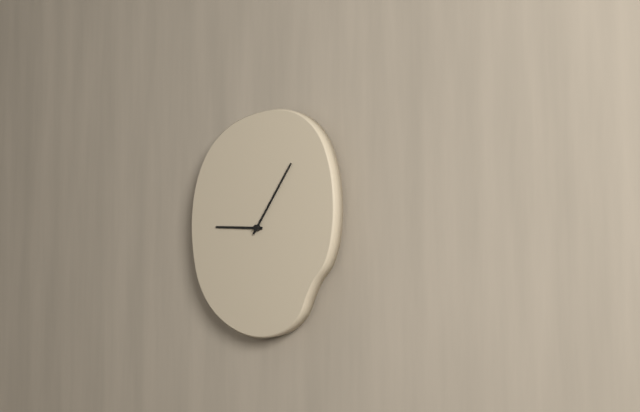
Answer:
9:06
